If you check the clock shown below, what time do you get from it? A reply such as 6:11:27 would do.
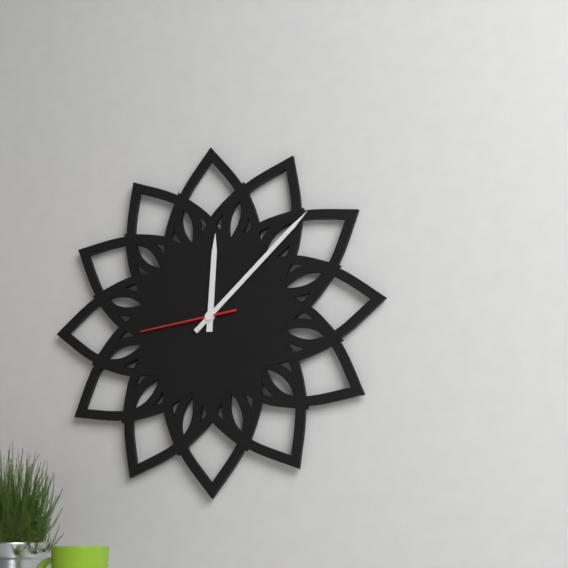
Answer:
12:08:44
